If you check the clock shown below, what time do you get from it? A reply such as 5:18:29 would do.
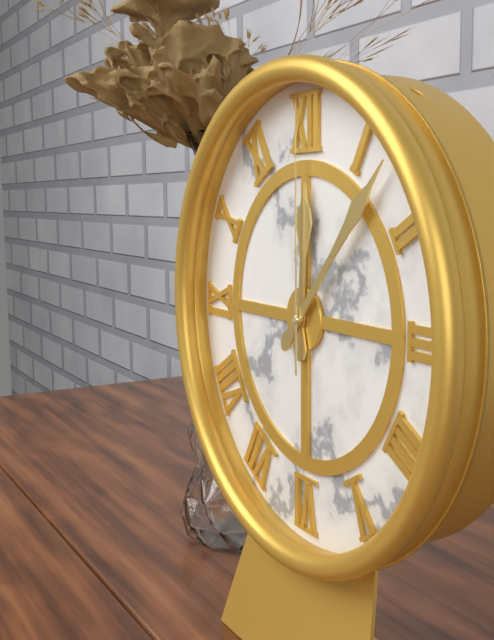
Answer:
12:07:00
